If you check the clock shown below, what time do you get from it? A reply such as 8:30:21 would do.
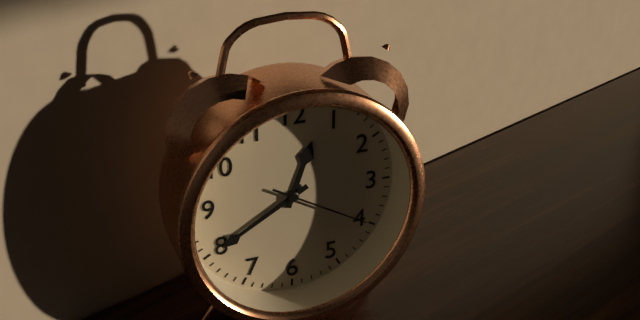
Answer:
12:40:20
